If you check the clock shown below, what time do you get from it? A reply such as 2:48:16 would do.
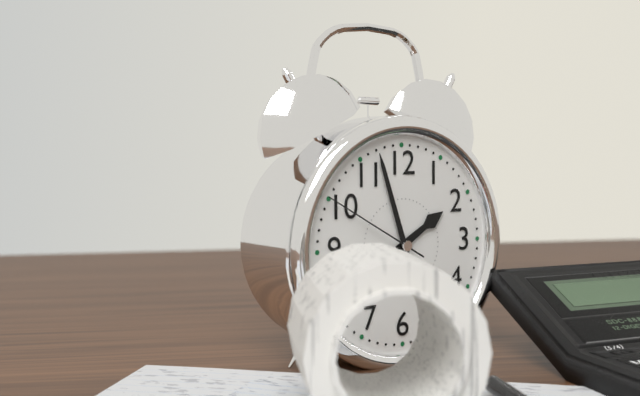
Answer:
1:57:50
